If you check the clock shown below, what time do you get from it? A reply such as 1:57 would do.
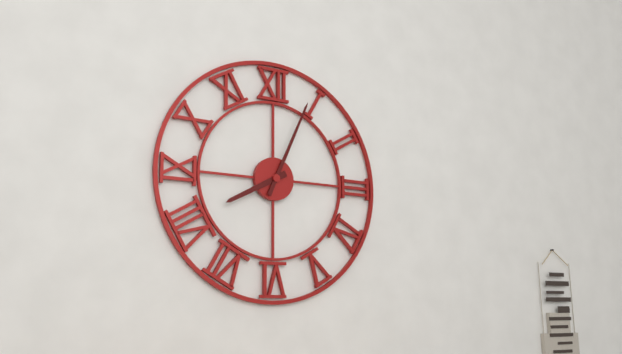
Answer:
8:04
